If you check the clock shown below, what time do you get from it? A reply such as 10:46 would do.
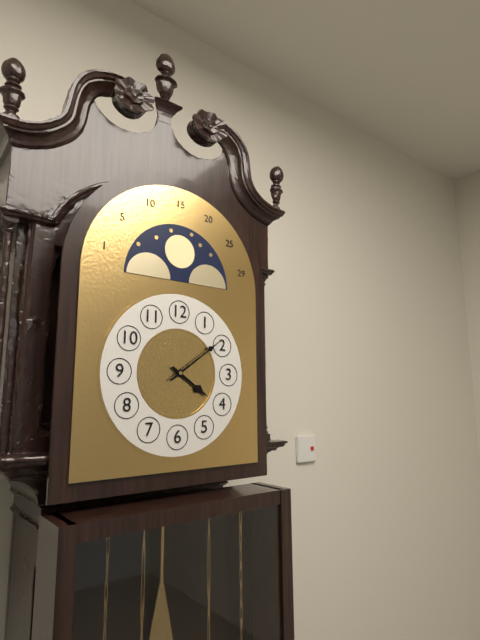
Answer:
4:09
